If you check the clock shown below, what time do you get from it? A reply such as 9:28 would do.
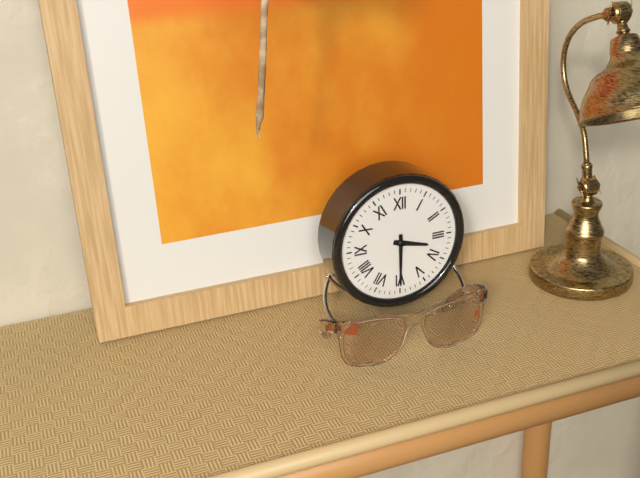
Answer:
3:30
